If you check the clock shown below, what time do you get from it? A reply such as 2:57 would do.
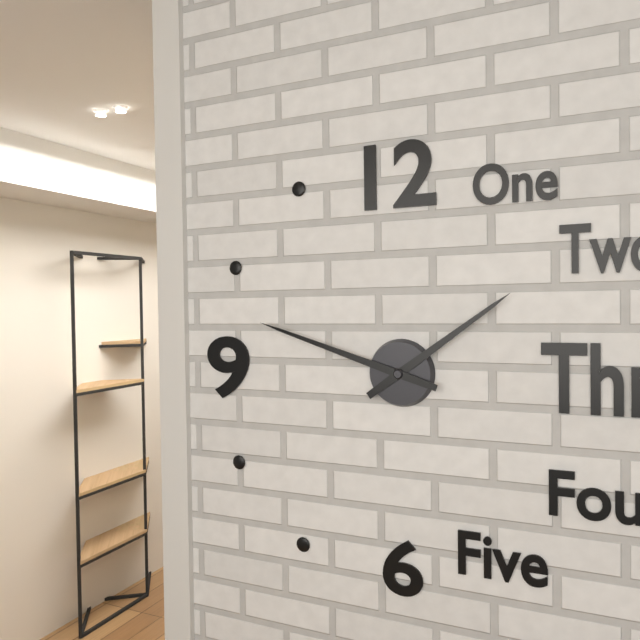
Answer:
1:48
